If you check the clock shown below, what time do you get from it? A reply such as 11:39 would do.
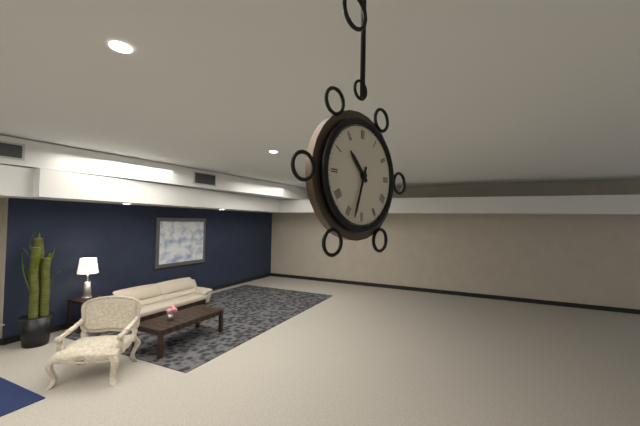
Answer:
10:33
